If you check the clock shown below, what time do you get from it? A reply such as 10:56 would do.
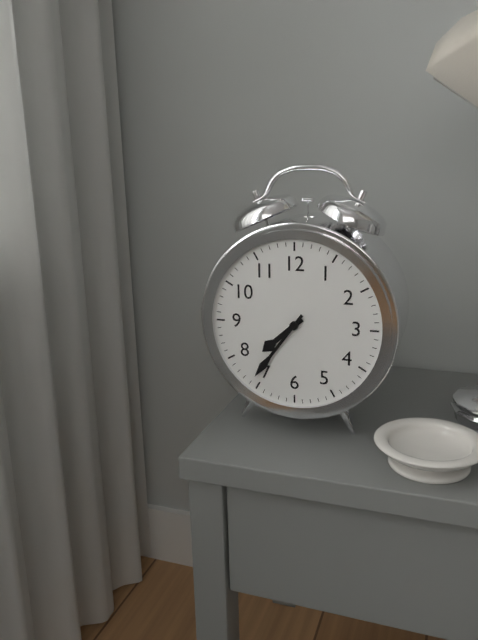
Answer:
7:36
